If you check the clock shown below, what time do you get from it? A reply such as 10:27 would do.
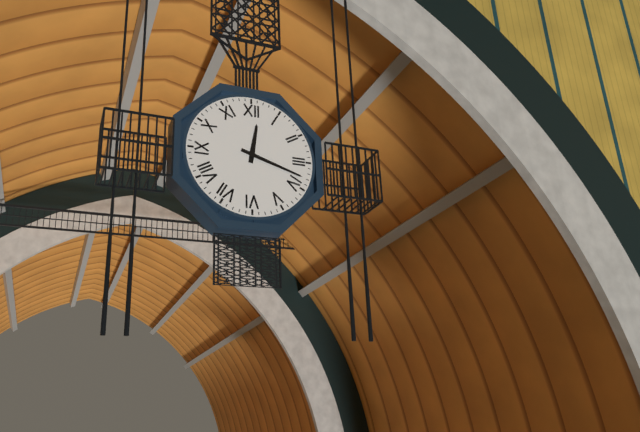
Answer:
12:18
